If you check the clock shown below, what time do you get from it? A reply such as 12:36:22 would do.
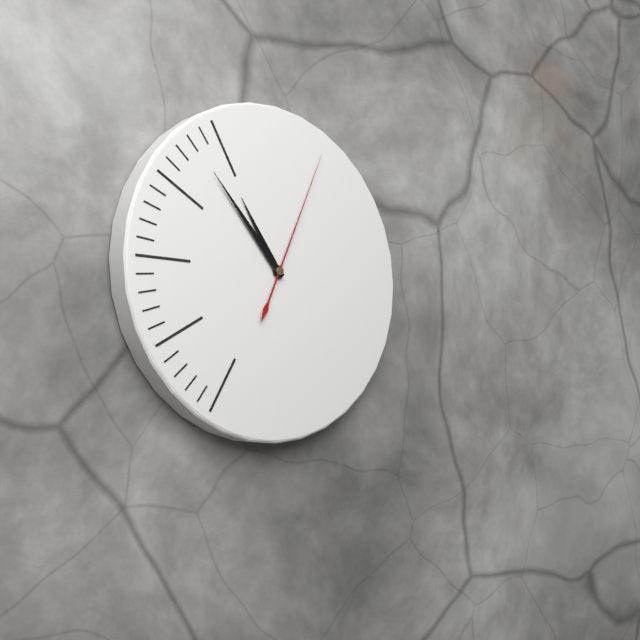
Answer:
10:53:04
